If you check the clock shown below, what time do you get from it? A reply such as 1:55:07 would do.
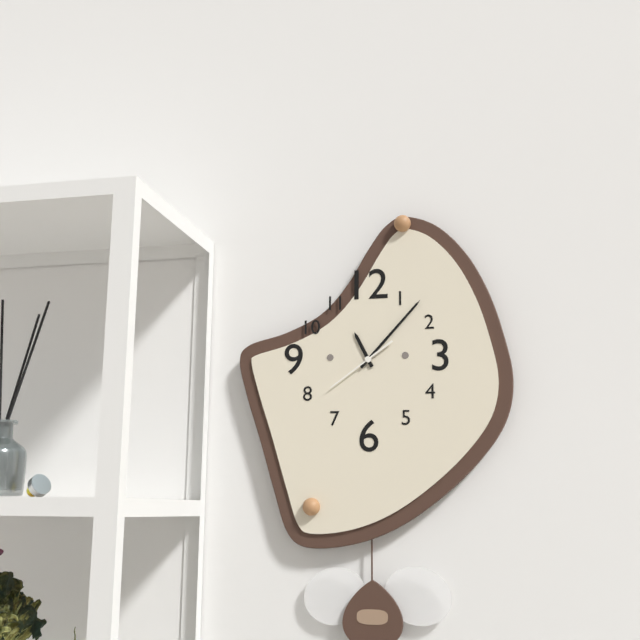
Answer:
11:07:39
